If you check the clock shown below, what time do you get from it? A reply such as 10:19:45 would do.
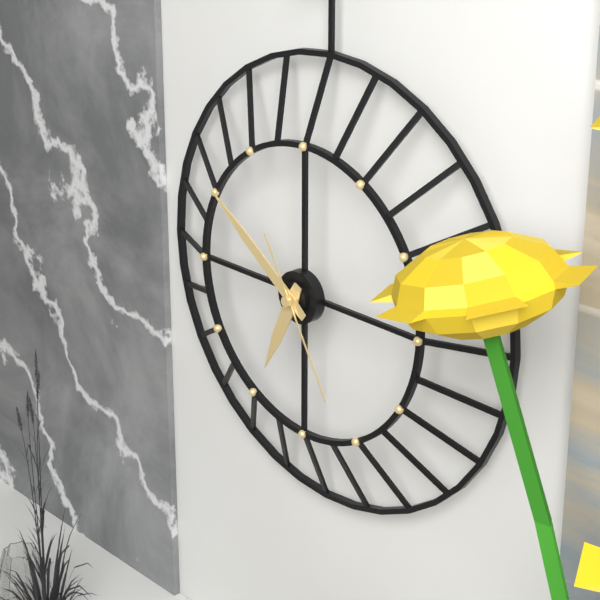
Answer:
6:51:25
